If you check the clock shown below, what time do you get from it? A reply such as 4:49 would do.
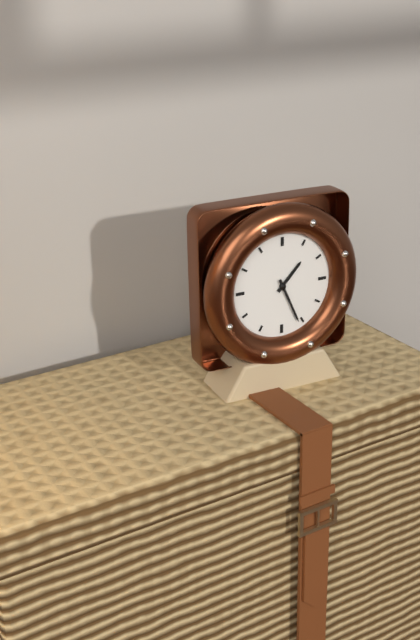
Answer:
1:26
